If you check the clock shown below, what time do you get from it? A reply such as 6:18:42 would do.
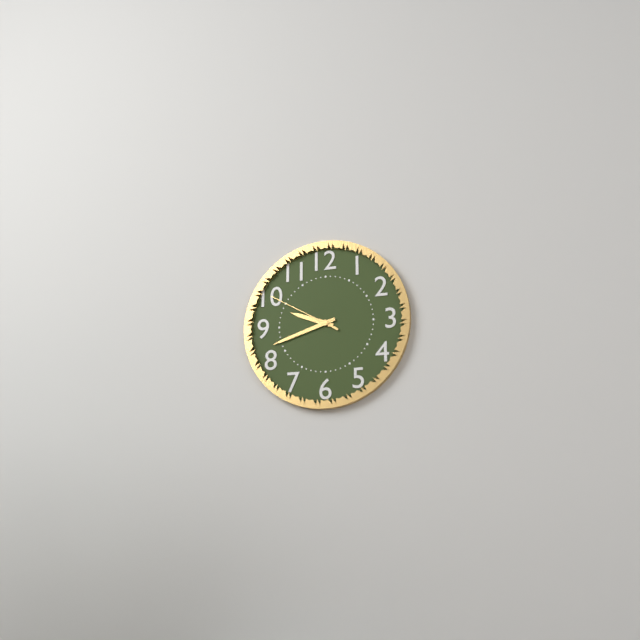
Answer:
9:42:50
